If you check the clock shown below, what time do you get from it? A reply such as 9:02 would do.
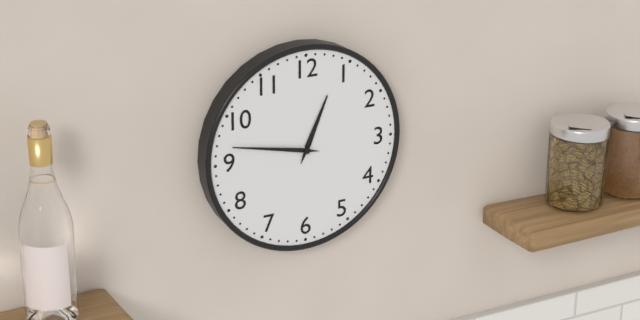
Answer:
12:47
